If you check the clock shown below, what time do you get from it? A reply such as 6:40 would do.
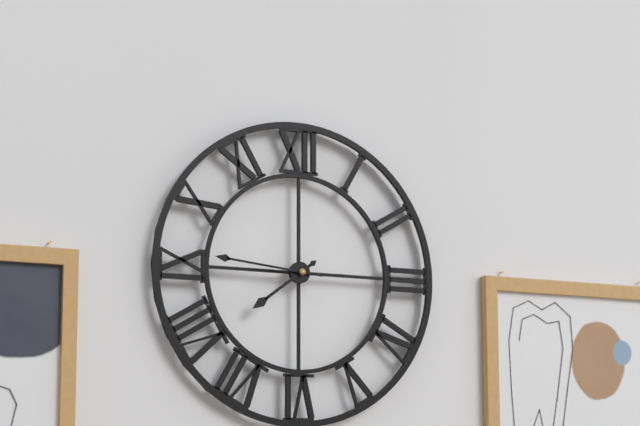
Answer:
7:46
